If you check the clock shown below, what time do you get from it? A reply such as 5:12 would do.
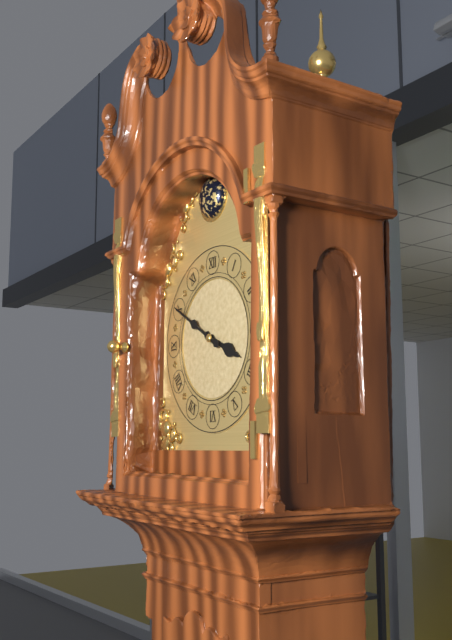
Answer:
3:50
